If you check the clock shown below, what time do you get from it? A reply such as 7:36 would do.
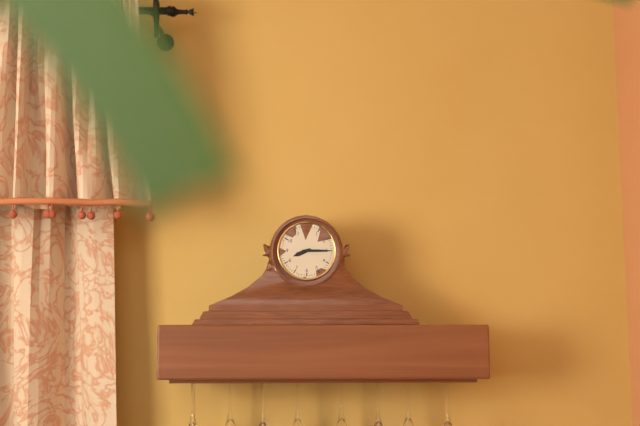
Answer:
8:15
